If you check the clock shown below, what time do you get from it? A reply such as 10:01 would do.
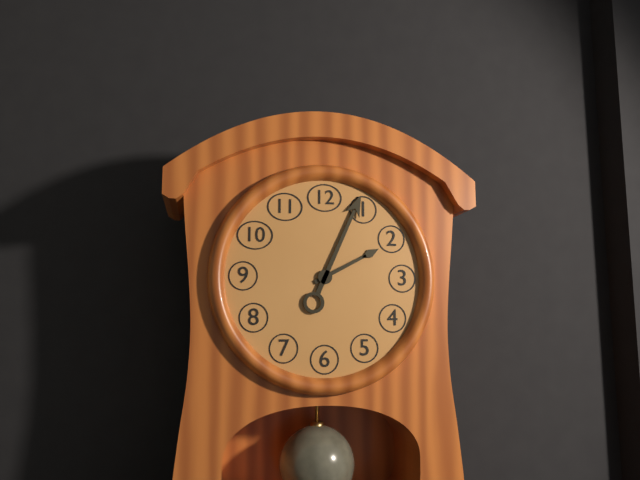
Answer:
2:04
